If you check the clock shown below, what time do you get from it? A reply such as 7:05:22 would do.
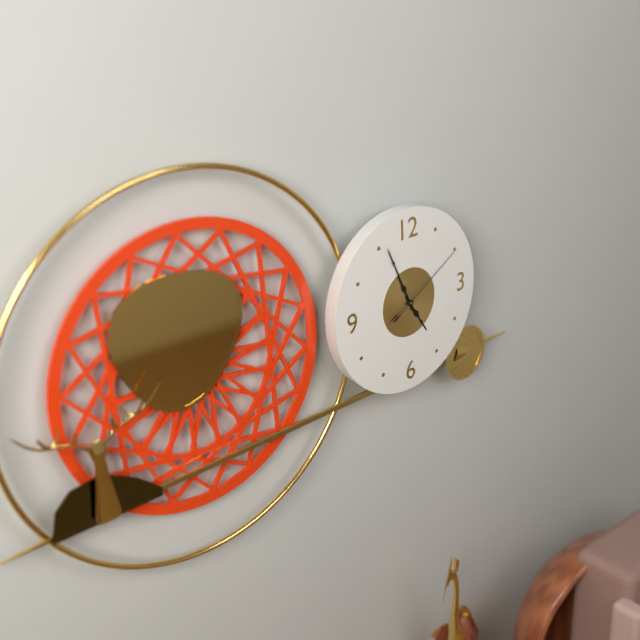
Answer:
4:56:10
